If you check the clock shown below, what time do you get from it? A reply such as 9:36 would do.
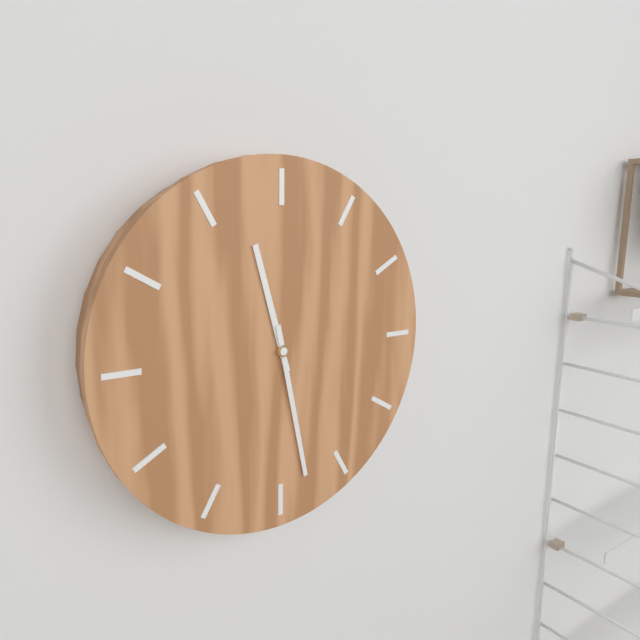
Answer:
11:28
